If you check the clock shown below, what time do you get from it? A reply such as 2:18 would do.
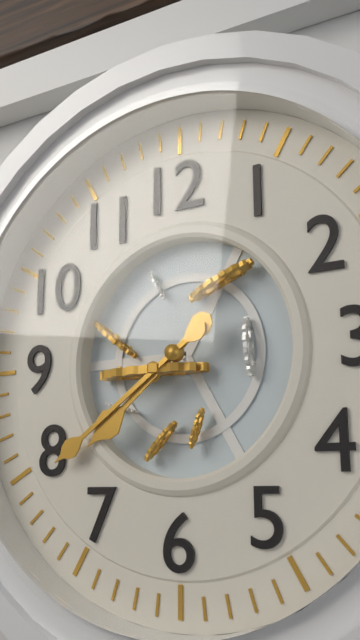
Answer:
7:39
